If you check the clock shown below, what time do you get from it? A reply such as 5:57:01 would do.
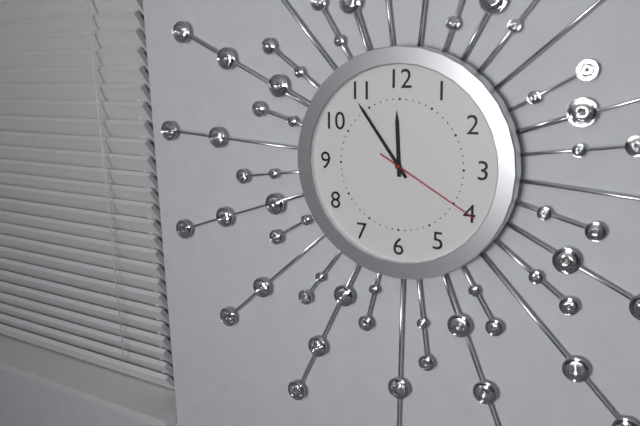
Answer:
11:54:20
